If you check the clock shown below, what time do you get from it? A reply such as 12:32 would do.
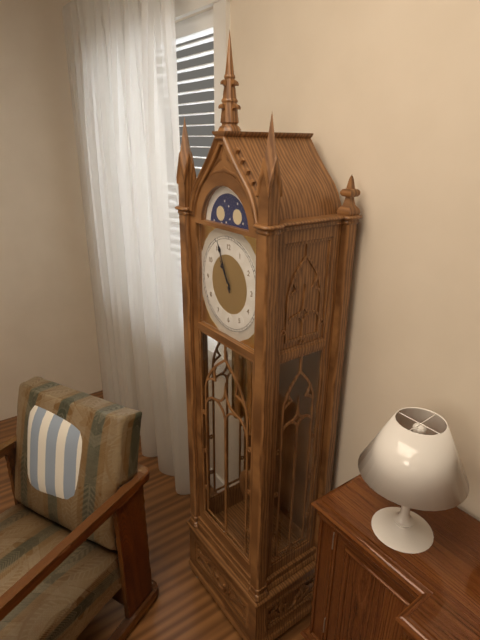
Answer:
10:56
